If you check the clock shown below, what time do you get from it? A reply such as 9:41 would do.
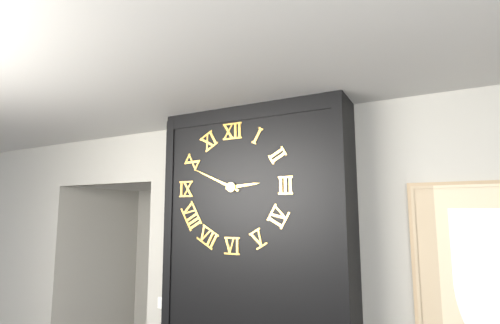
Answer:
2:49
